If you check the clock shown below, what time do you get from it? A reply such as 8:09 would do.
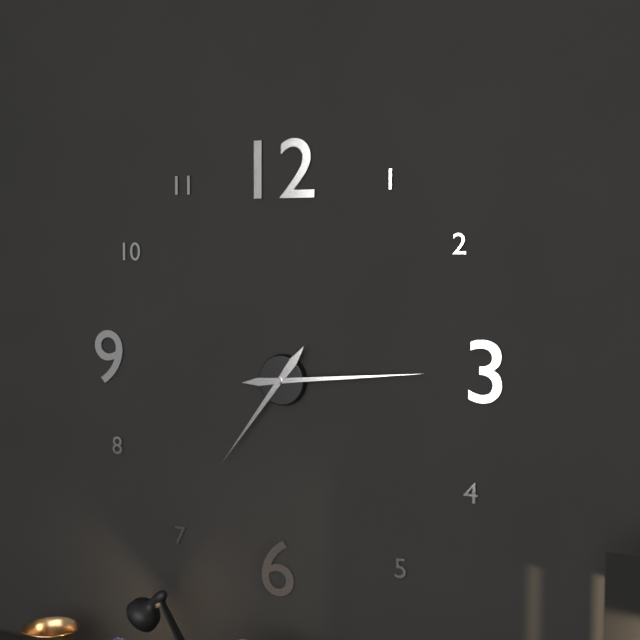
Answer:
7:14
